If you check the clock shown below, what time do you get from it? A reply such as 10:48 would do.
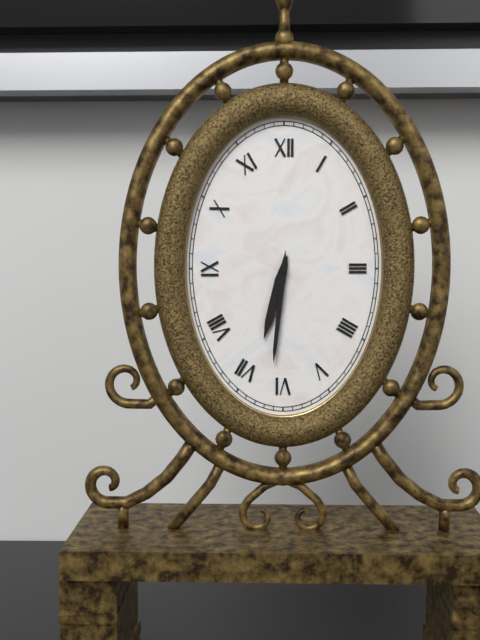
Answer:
6:31
